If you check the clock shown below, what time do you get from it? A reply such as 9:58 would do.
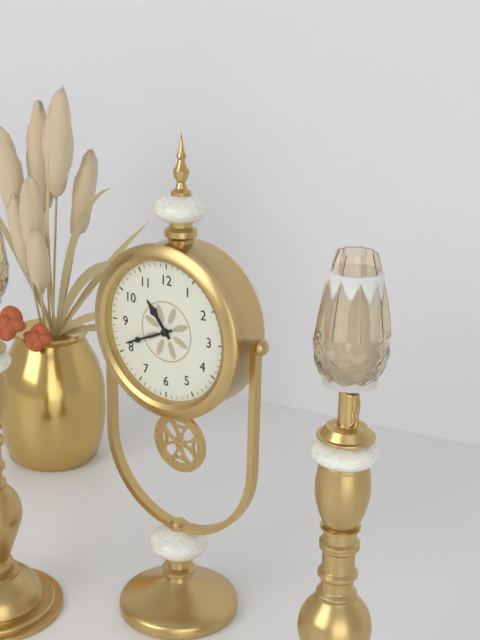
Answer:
10:41
